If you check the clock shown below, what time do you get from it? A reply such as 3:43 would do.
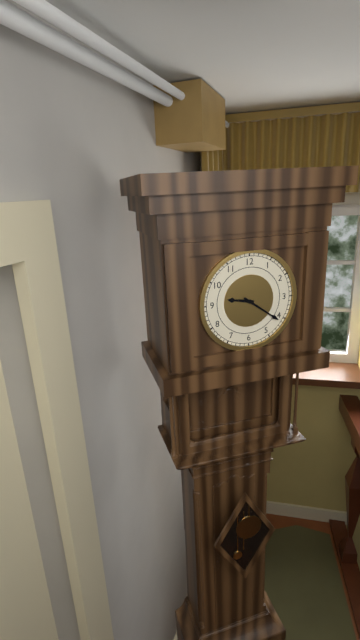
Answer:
9:21
